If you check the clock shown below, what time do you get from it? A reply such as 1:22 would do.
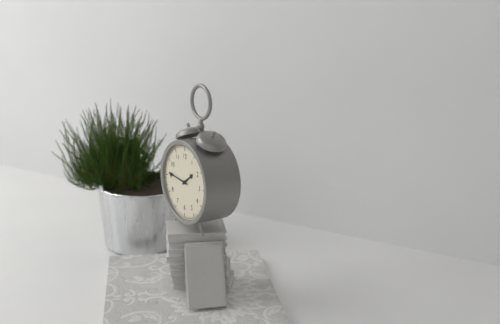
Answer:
1:46
